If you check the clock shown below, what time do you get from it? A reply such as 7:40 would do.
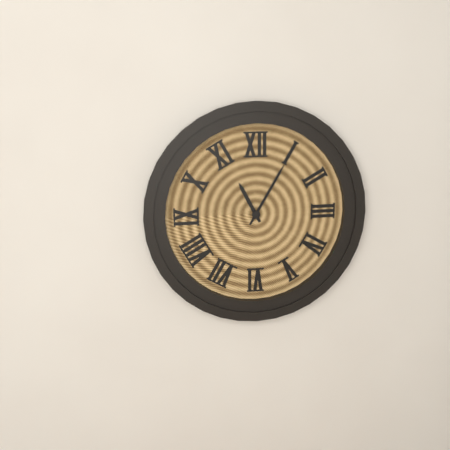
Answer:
11:05
